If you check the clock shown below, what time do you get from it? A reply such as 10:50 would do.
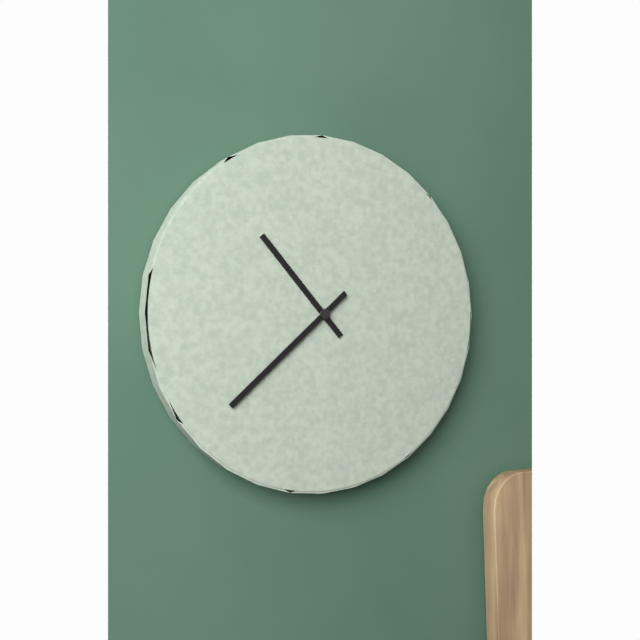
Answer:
10:38
